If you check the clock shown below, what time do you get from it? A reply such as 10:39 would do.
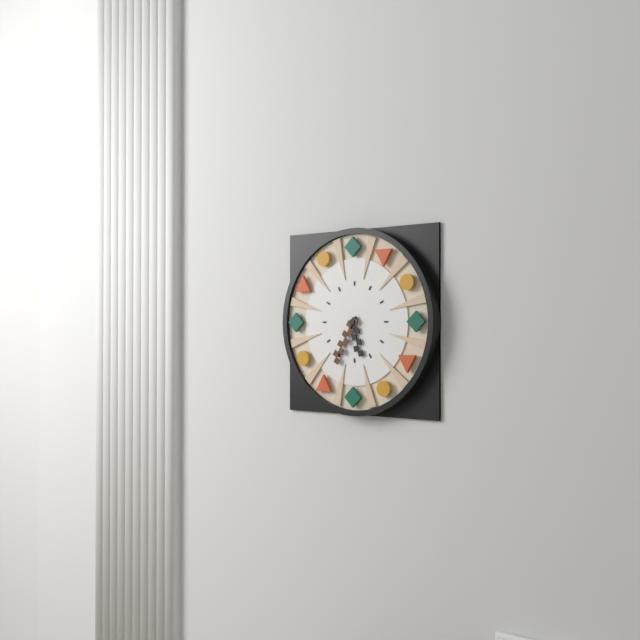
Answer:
5:35
